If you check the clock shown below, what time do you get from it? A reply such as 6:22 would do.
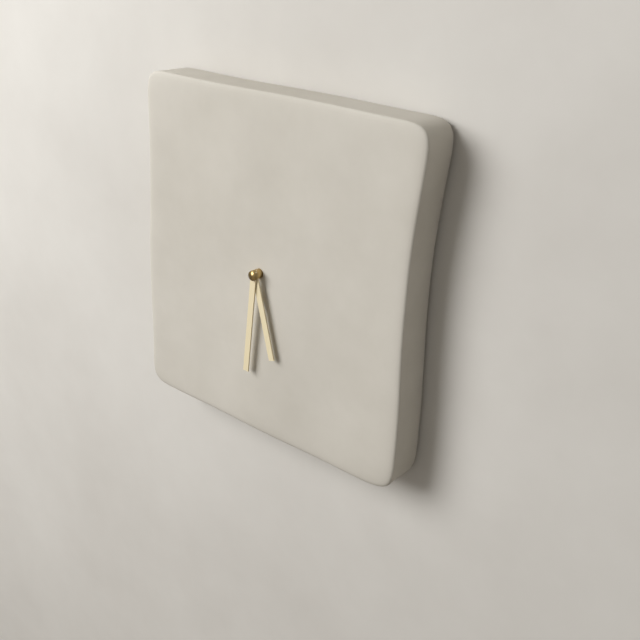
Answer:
5:31
